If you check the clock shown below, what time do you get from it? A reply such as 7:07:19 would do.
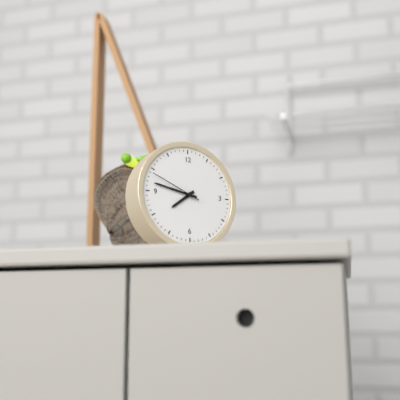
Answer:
7:47:49
